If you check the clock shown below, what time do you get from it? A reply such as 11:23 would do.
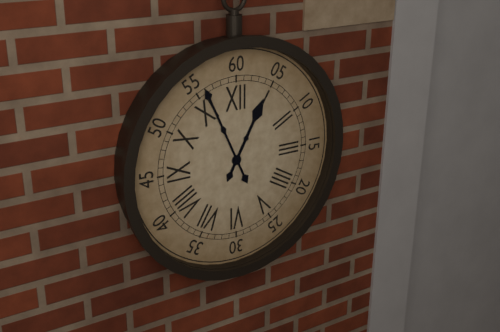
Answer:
12:56
